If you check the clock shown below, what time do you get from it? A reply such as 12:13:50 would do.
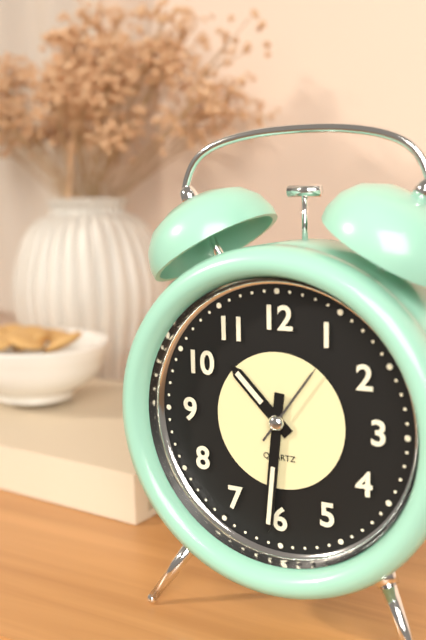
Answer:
10:31:06
